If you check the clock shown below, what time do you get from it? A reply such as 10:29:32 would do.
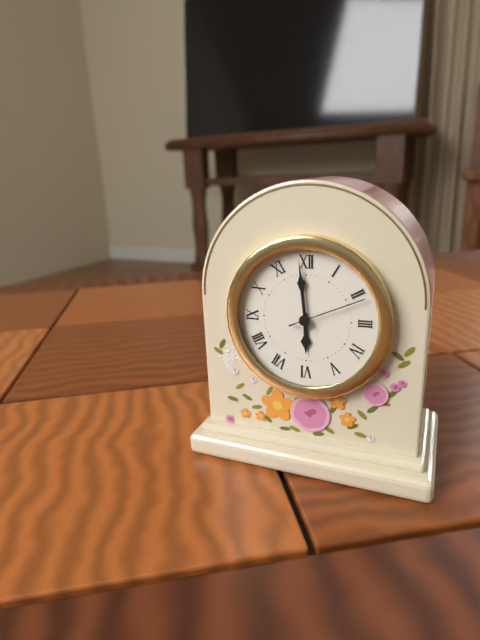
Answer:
5:59:11
